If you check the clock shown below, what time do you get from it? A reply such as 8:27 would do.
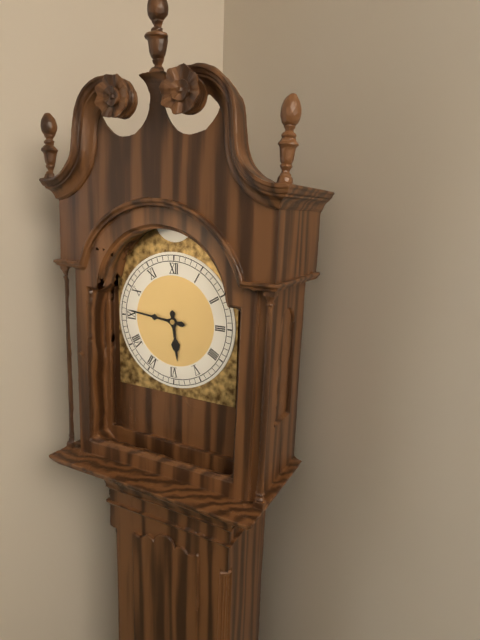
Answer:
5:46
